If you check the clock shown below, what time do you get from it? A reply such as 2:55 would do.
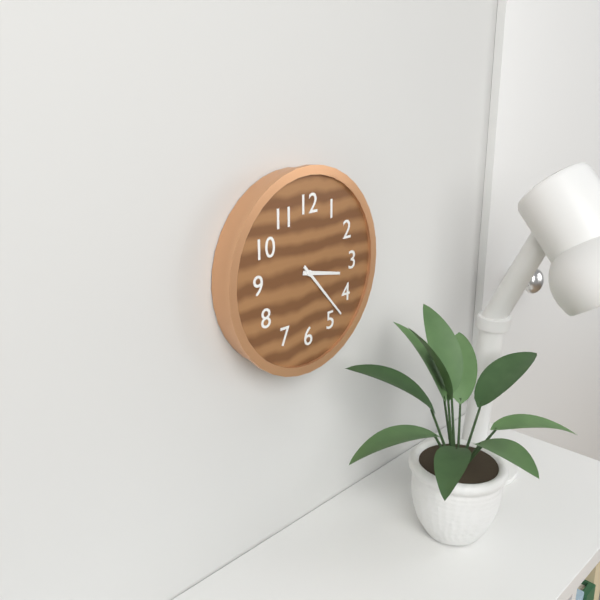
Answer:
3:23
